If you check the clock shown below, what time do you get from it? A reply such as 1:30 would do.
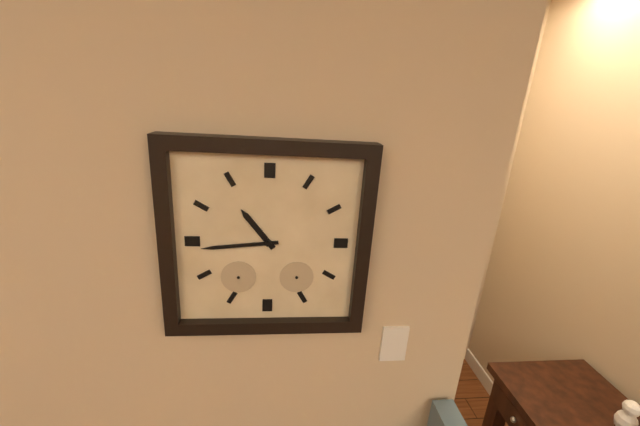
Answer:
10:44
